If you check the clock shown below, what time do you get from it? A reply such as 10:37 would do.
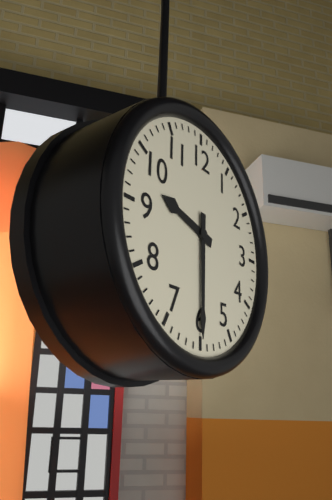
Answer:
9:30
